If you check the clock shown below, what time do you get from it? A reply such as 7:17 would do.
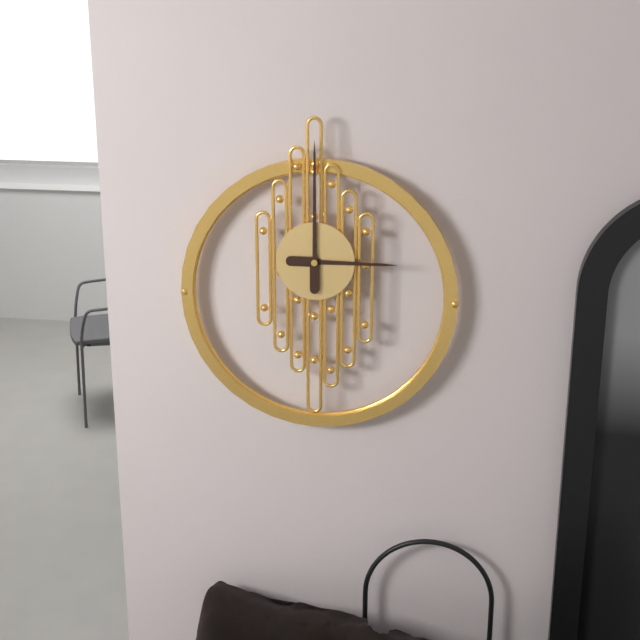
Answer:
3:00
